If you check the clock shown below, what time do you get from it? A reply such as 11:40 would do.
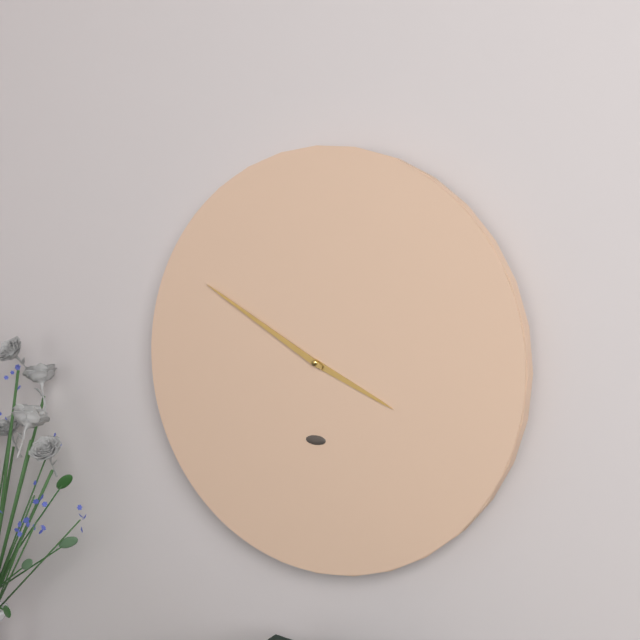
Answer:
3:50
